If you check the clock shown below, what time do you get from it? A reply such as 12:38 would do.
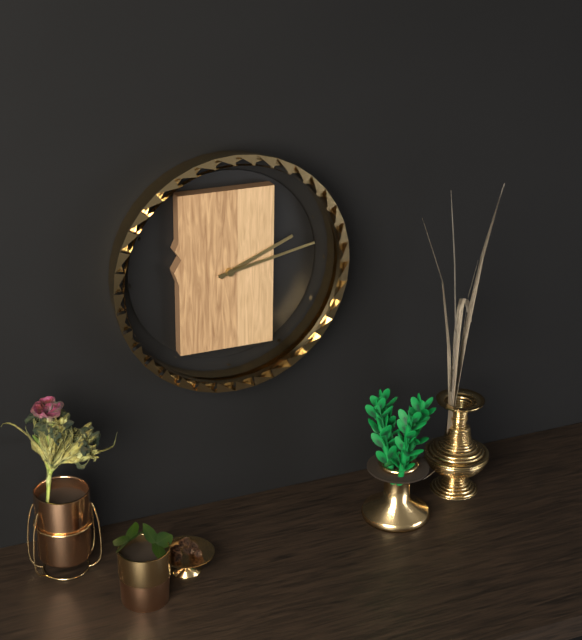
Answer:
2:13
